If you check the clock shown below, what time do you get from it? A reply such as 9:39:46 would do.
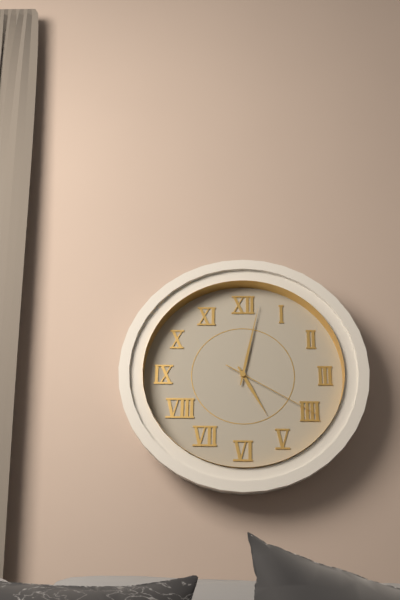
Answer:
5:02:20
